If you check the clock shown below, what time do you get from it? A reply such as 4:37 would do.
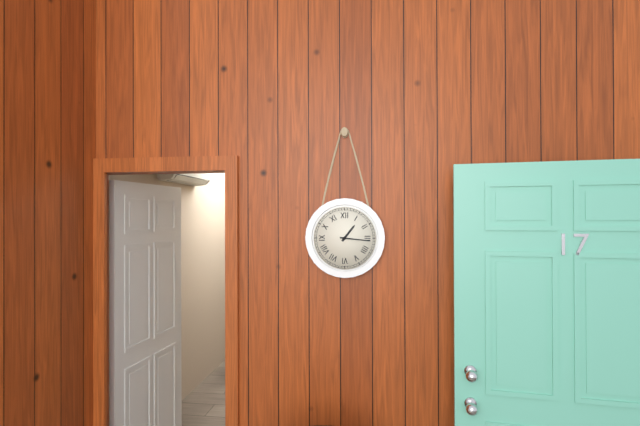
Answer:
1:16
